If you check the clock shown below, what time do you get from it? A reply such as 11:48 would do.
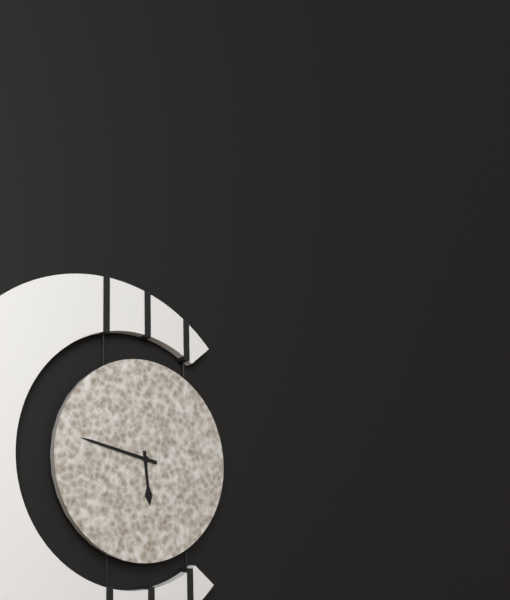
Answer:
5:47
